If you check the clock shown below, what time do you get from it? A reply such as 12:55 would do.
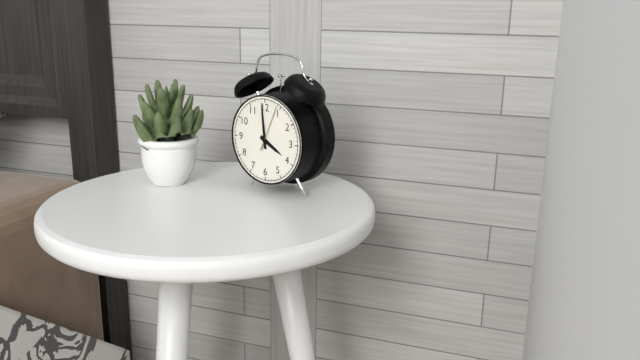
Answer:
3:59
